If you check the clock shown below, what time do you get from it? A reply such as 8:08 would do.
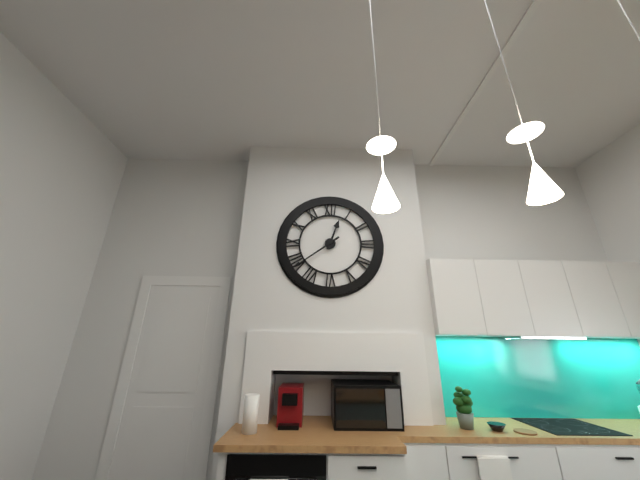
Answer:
12:39
